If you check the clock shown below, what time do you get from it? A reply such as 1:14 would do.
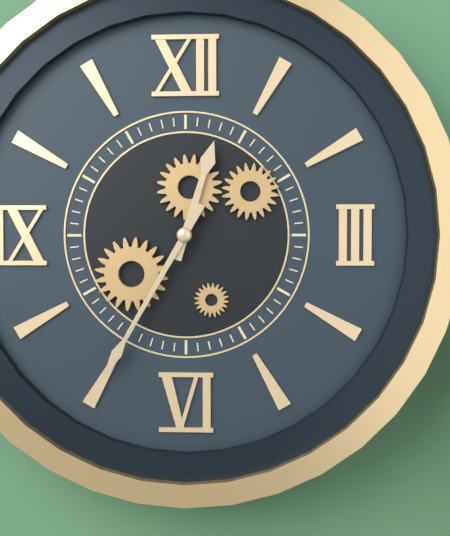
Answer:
12:35
